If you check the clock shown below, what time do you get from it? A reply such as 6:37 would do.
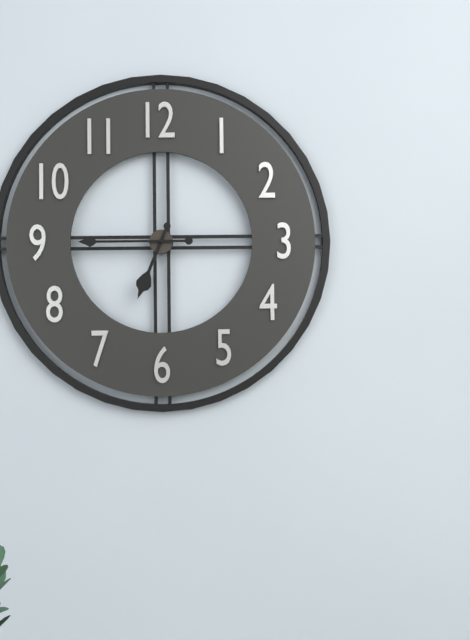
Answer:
6:45
